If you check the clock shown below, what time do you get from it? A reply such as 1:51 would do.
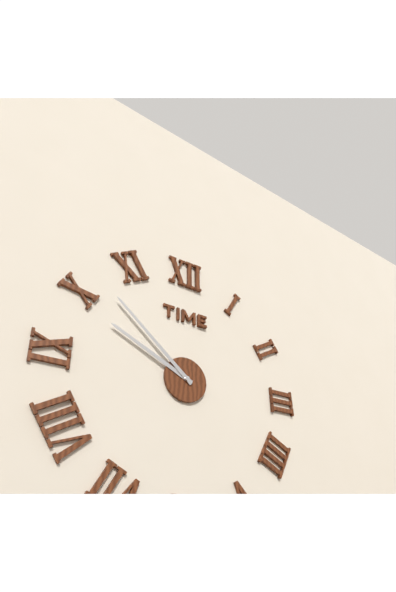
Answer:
9:52
